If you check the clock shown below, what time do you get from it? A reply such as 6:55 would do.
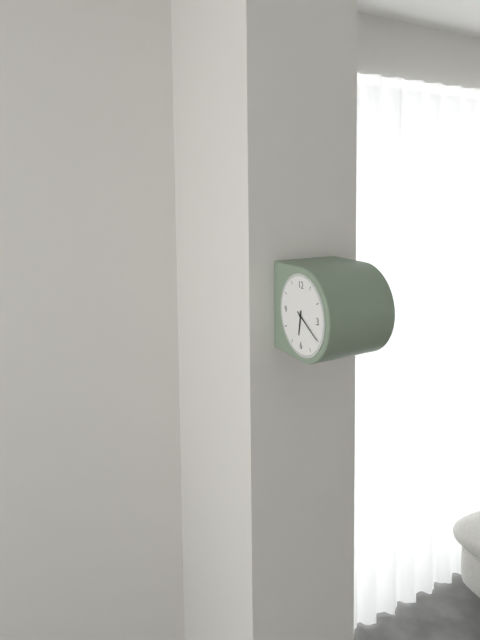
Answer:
6:20
